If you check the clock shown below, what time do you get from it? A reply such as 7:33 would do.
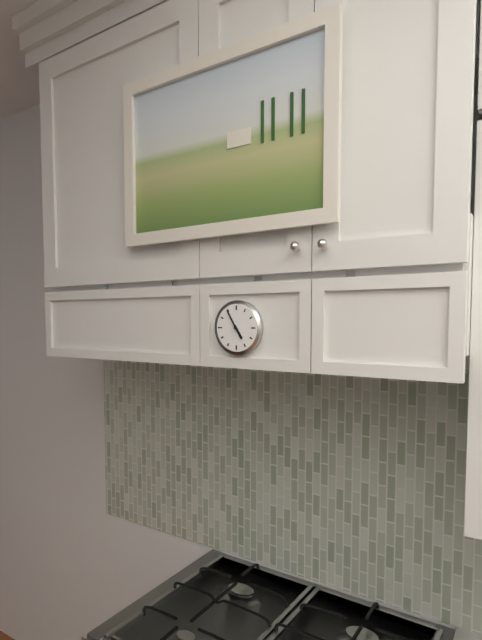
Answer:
4:55
